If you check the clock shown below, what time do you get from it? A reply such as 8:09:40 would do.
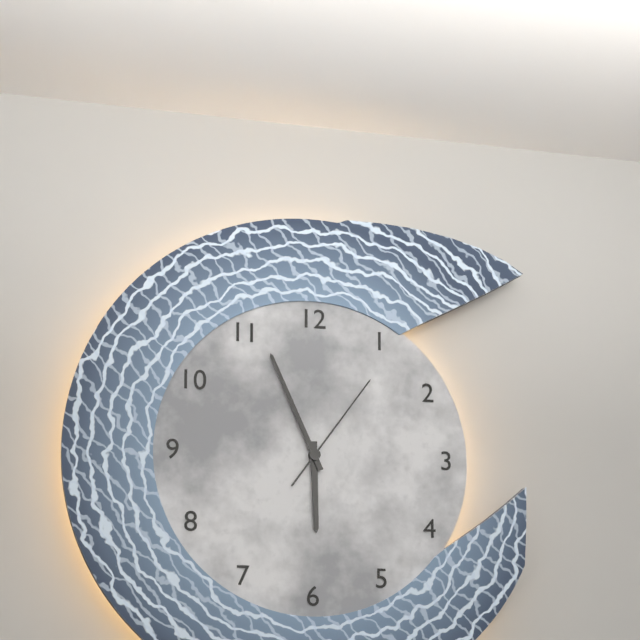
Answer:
5:56:06
